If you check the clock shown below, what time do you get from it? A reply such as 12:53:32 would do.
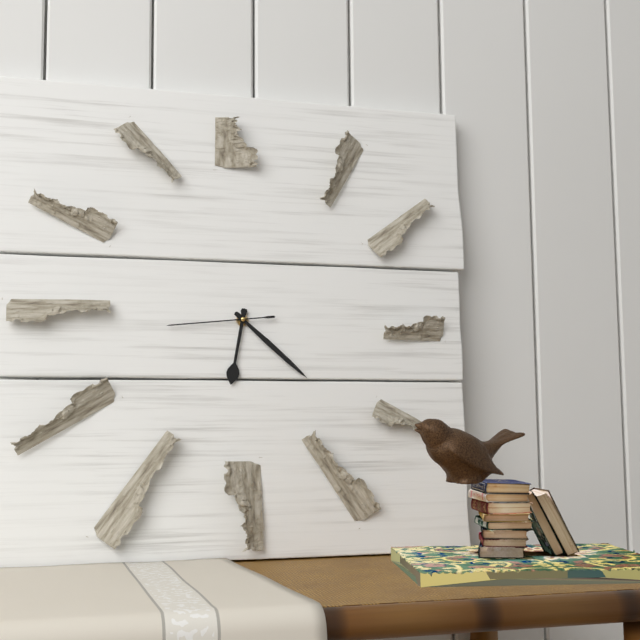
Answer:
6:22:44
